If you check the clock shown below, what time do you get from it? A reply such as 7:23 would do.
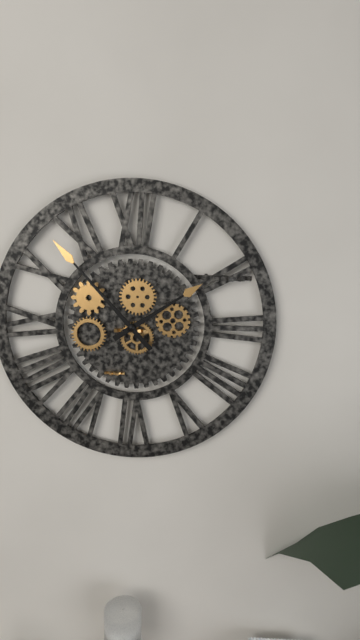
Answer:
1:53
